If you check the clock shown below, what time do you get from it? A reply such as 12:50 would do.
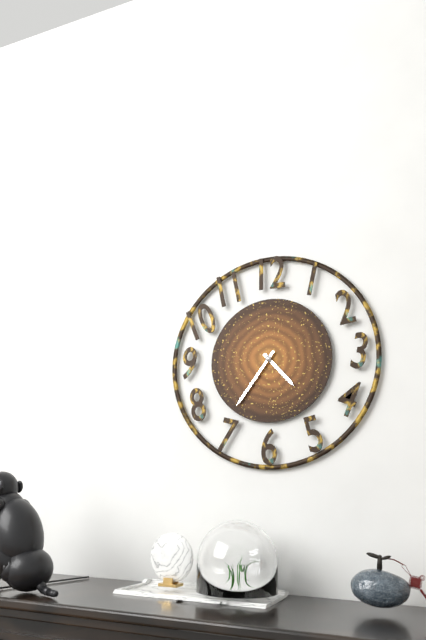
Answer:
4:36
